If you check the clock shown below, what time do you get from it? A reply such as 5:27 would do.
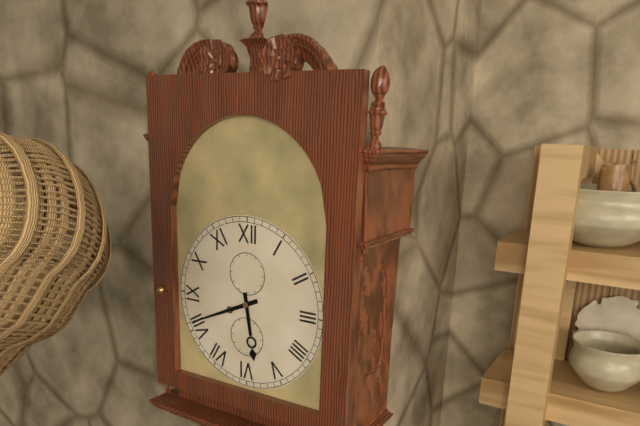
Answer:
5:41
